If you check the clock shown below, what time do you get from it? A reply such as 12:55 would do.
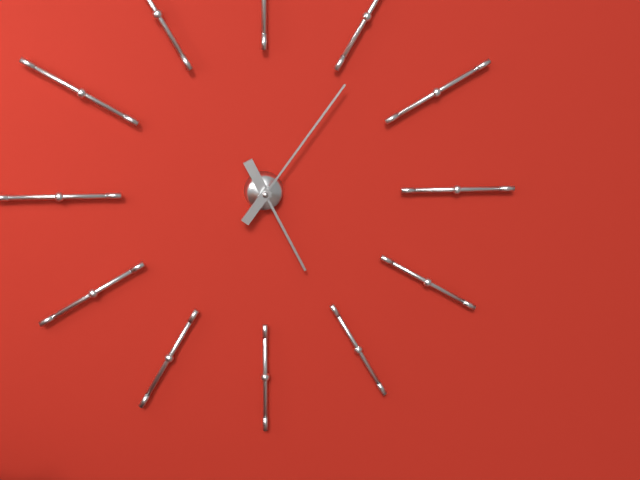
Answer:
5:06
